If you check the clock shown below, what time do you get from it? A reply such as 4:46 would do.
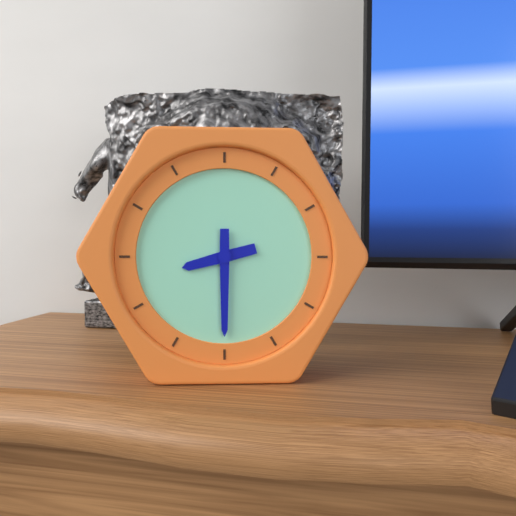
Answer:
8:30
